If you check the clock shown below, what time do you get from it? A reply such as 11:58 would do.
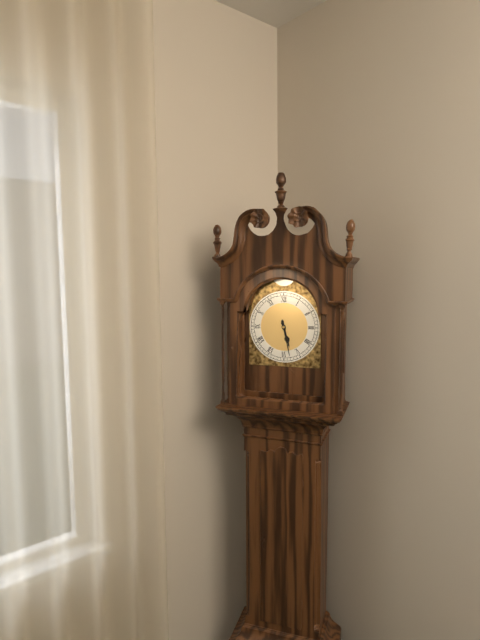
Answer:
5:28
